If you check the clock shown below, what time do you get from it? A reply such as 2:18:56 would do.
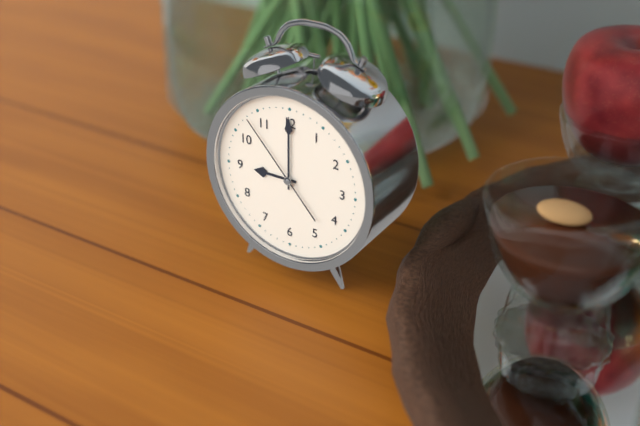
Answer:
9:00:53
